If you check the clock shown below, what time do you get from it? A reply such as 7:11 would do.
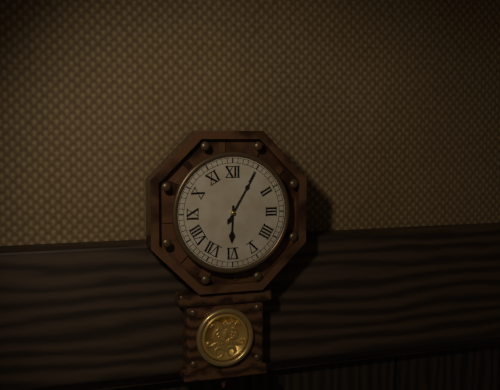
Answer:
6:05
